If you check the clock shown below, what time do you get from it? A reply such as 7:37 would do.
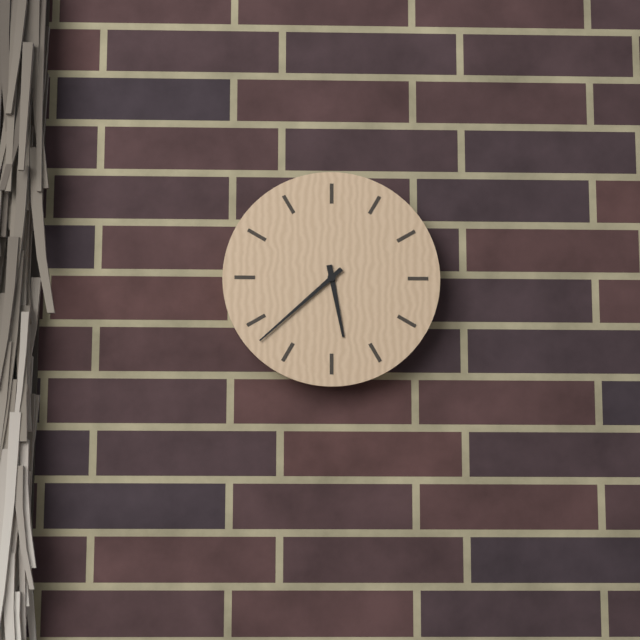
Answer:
5:38
